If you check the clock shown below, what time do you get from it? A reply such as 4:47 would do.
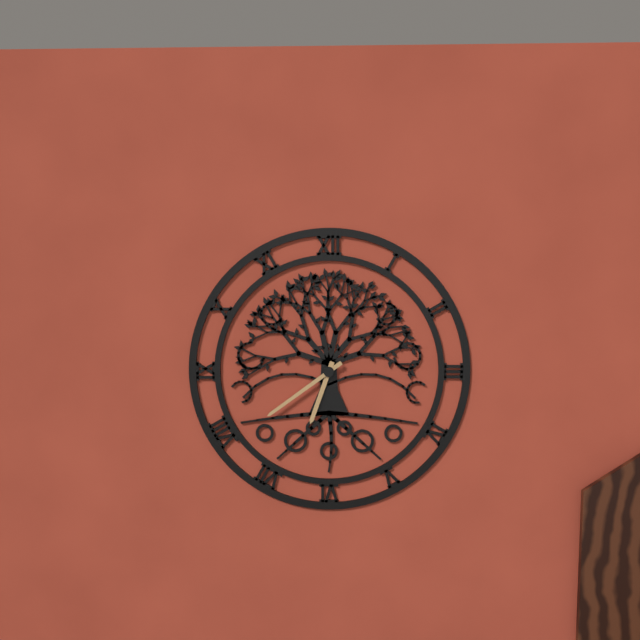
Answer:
6:39
